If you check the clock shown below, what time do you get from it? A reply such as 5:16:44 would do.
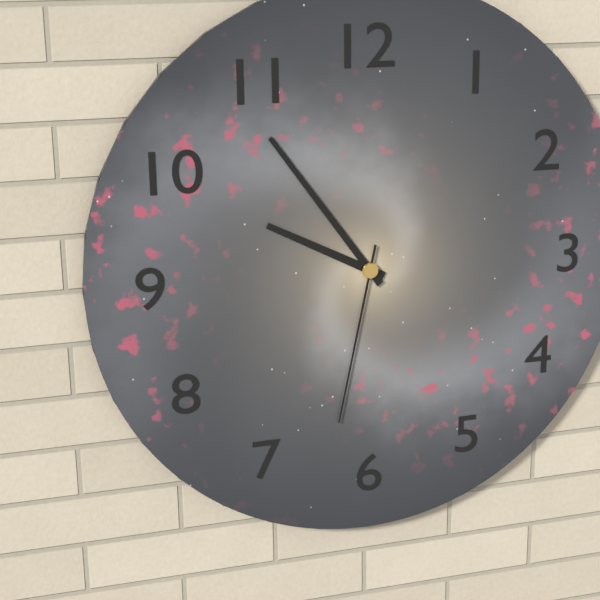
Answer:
9:54:32
